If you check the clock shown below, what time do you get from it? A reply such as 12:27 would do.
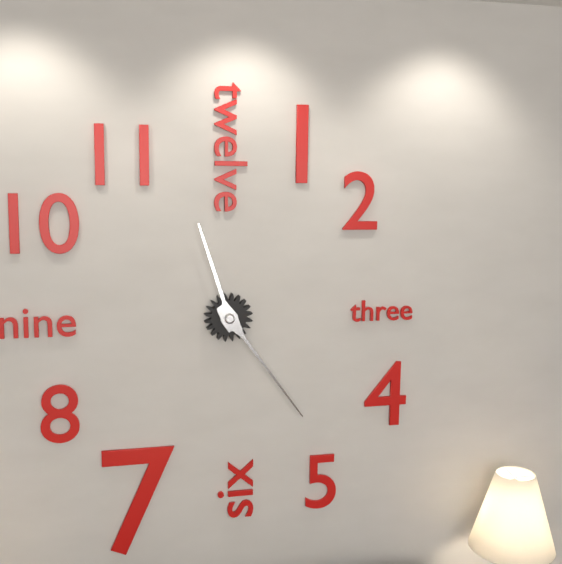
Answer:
11:24
